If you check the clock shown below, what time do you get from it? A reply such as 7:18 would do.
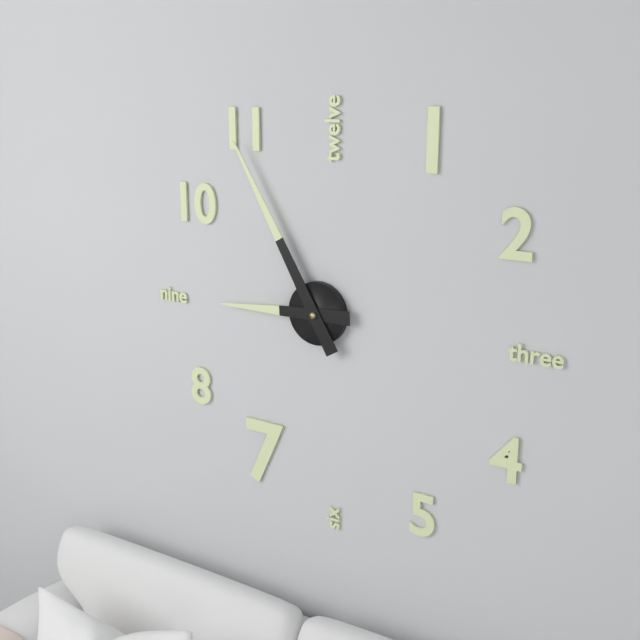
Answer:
8:55
